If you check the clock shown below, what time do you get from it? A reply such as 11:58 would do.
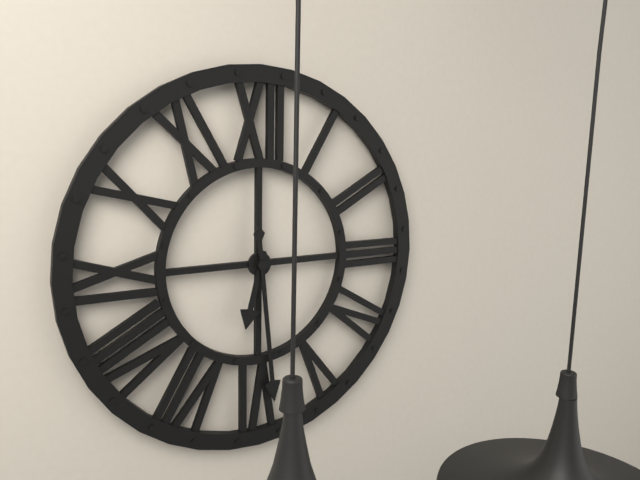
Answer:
6:29
